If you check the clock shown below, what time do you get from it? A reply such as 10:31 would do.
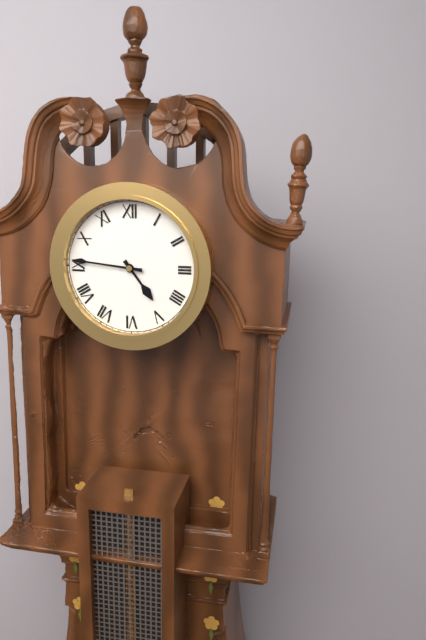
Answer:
4:46
